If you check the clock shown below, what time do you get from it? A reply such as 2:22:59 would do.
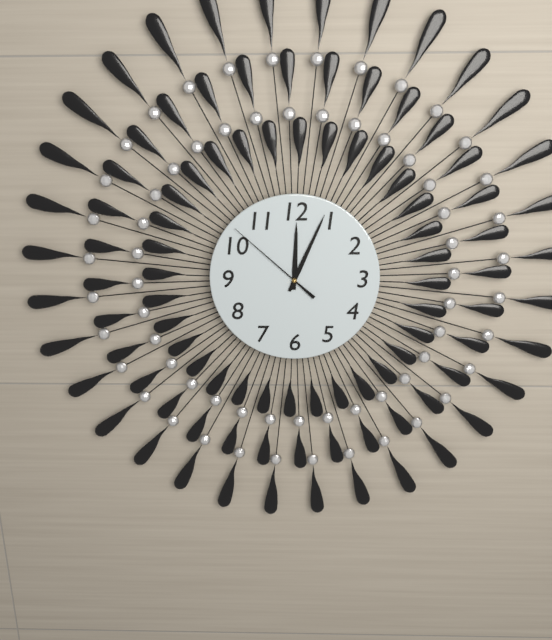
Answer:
12:04:52
